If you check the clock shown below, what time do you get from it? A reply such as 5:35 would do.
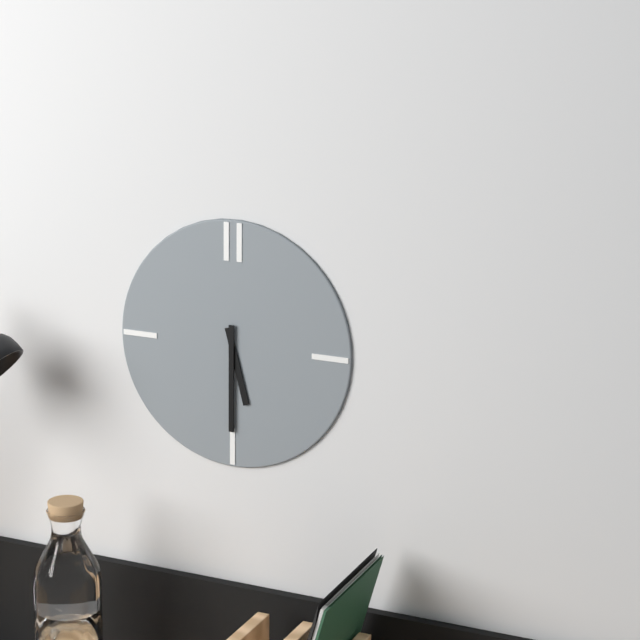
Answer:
5:30
